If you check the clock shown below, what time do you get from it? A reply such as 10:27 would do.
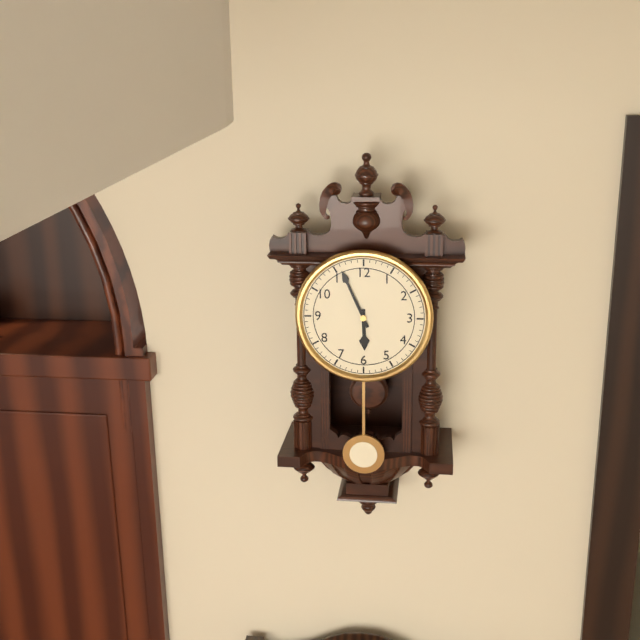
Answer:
5:56
